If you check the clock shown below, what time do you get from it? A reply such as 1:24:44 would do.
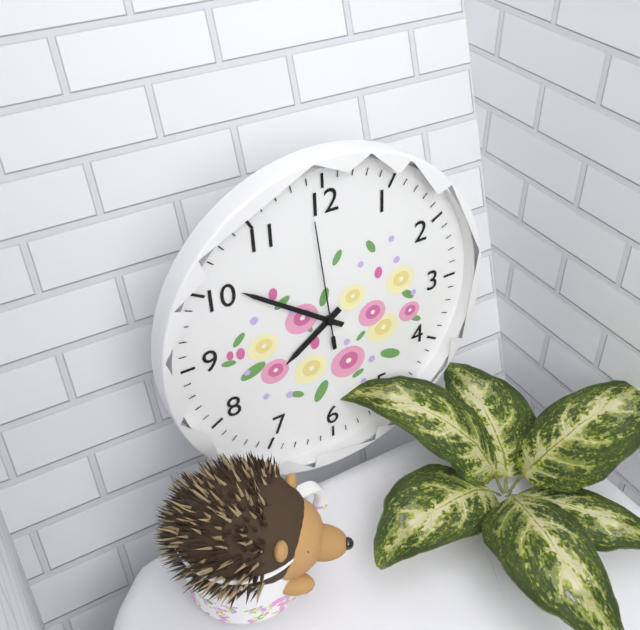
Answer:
7:51:59
